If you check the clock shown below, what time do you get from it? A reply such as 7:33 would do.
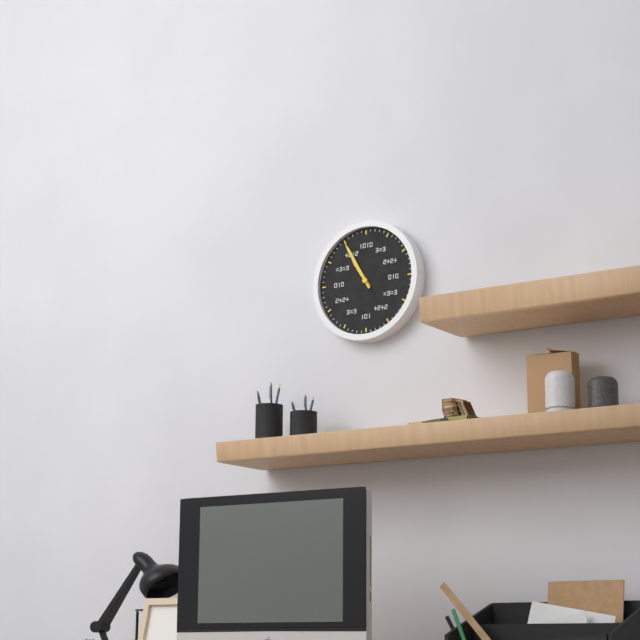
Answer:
10:55
